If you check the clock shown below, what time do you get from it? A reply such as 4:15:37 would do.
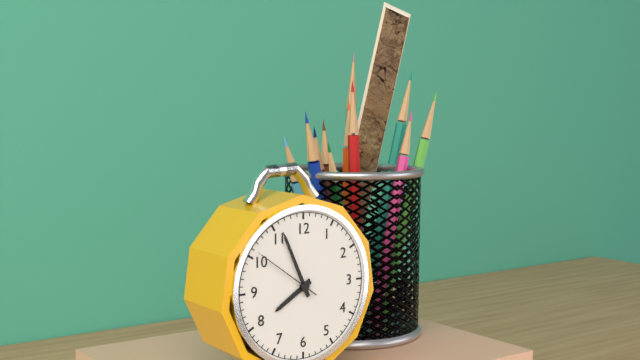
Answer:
7:56:51
